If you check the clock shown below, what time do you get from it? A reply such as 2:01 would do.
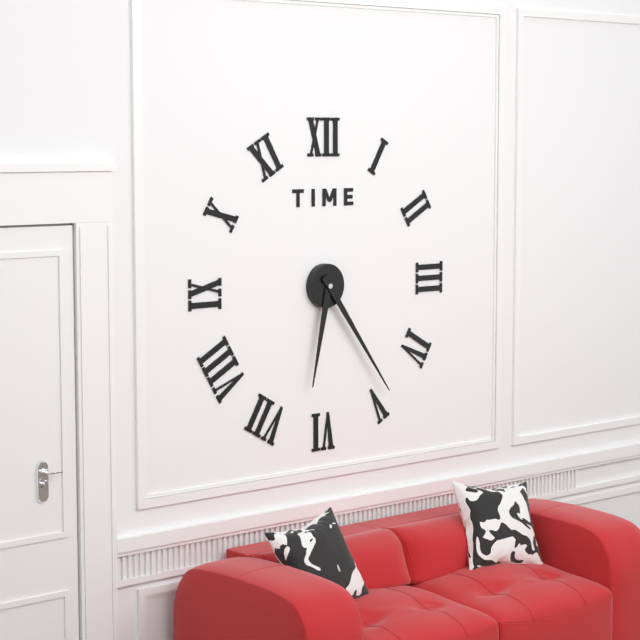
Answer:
6:24
